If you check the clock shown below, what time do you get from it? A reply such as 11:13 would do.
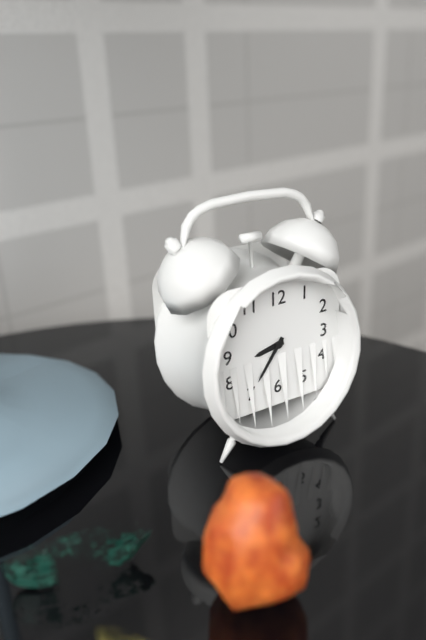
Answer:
8:36
